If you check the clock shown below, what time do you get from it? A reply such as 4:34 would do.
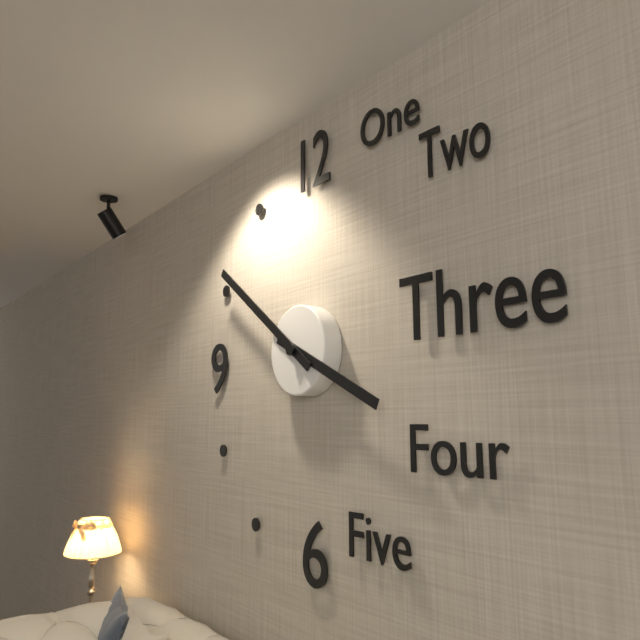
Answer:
3:51
